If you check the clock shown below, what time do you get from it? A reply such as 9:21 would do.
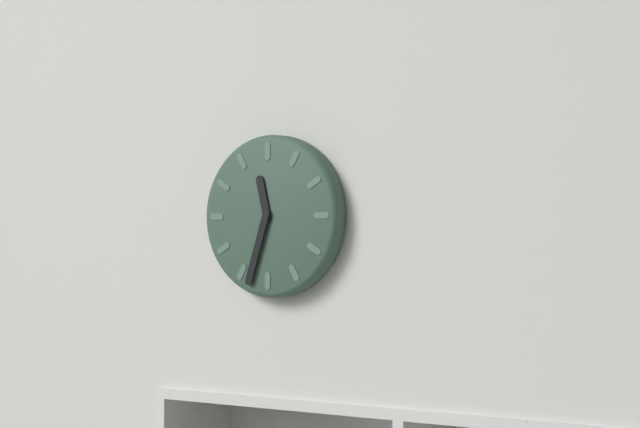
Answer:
11:33
